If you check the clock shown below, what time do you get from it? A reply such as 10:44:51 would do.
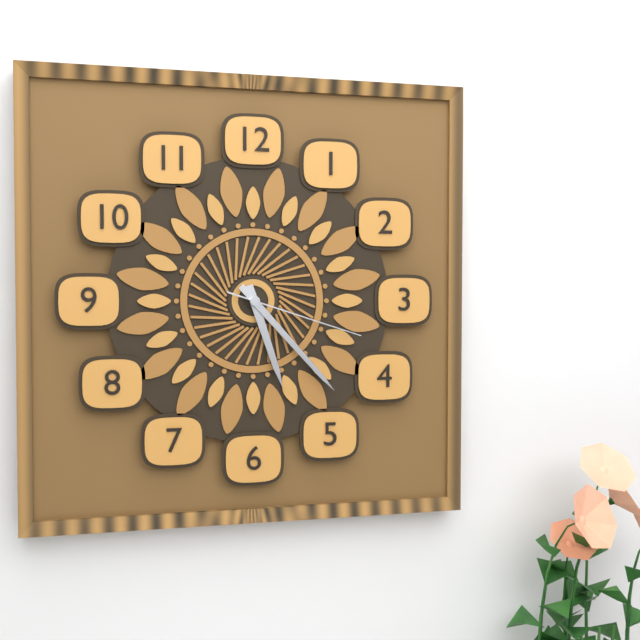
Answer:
5:23:18
